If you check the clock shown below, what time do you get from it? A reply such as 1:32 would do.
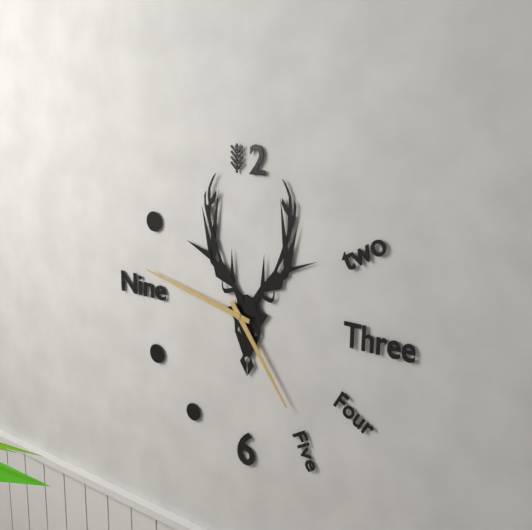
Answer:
4:47
